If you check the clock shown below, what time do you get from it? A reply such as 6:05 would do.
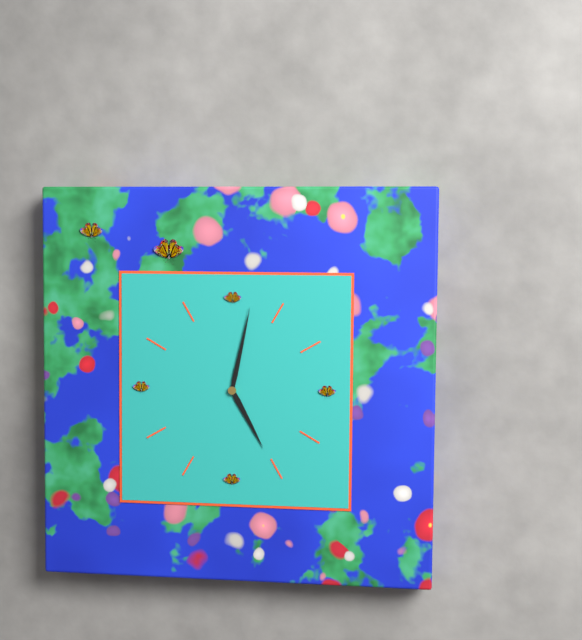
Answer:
5:02
